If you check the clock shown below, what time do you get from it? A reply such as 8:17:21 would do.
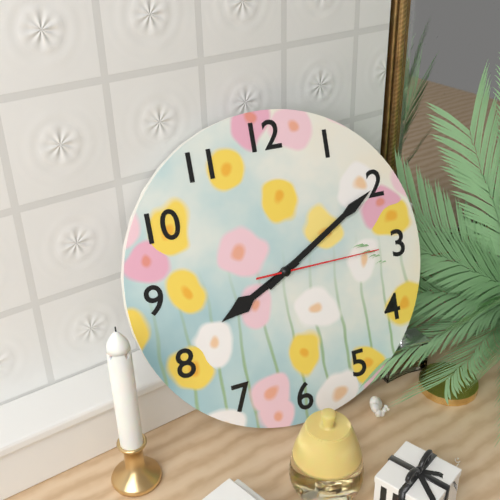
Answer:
8:10:15
